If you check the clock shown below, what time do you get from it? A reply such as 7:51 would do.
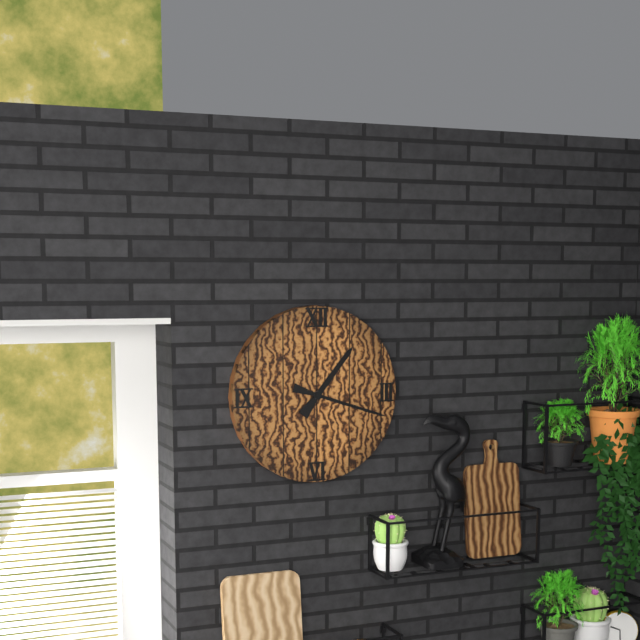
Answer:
1:18
